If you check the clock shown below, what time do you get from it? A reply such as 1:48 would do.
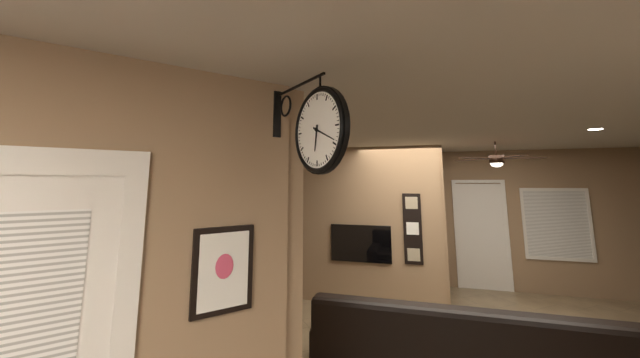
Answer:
6:19
